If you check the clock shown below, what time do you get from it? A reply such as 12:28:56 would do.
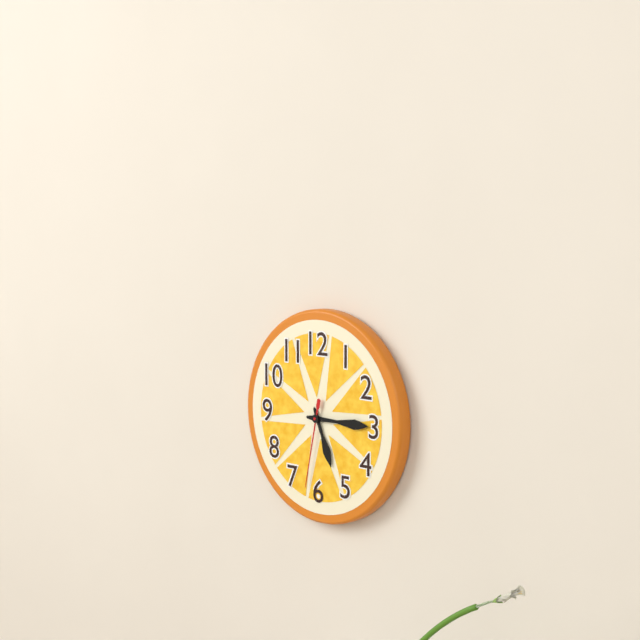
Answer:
5:15:32
